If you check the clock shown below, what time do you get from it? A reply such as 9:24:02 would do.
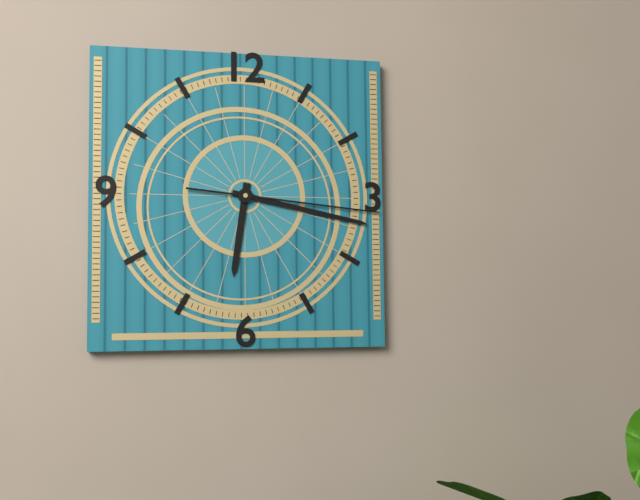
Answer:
6:17:16
